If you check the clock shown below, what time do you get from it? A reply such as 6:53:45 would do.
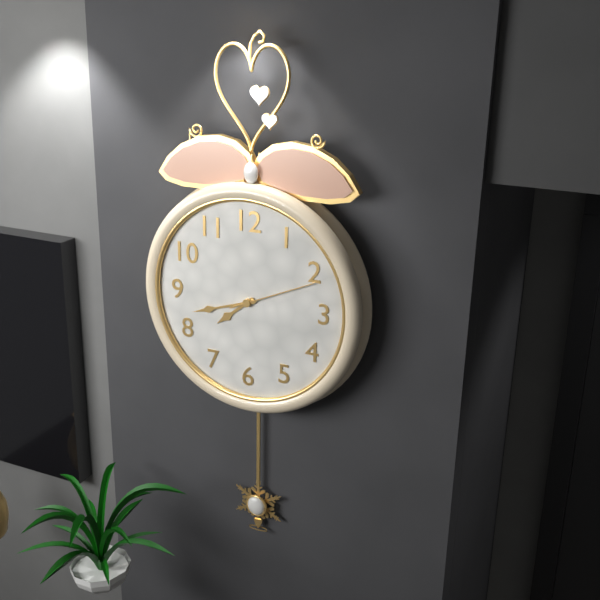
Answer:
7:42:11
